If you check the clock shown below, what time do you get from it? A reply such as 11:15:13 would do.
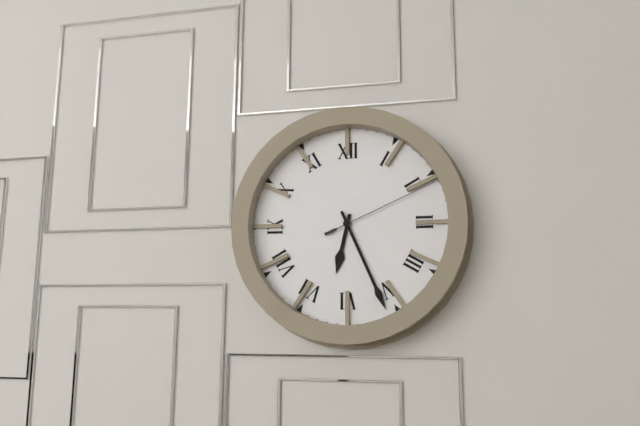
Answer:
6:26:11
